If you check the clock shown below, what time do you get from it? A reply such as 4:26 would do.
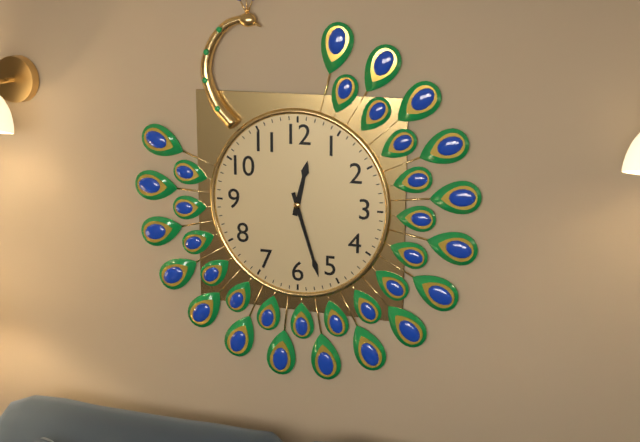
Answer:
12:27
